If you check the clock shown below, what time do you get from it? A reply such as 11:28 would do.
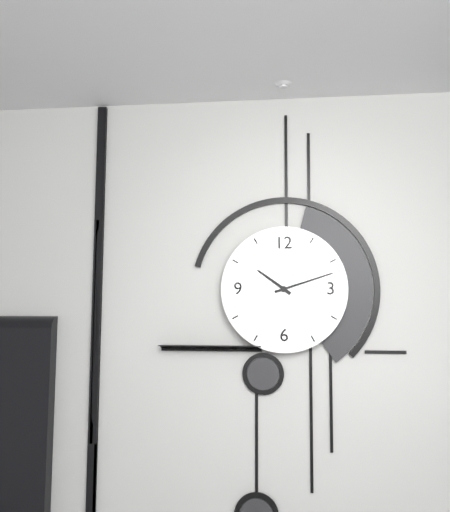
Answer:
10:12
